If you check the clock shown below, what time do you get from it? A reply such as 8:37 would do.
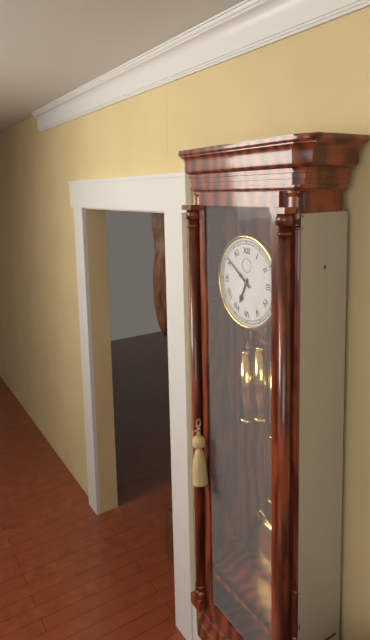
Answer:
6:51
